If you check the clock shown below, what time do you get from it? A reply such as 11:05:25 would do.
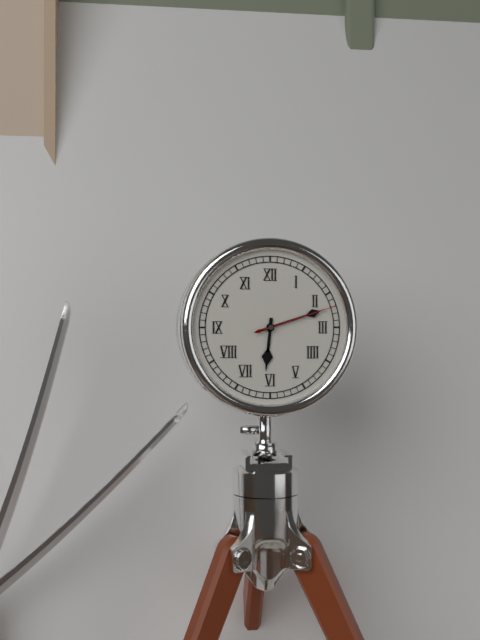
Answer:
6:12:12
